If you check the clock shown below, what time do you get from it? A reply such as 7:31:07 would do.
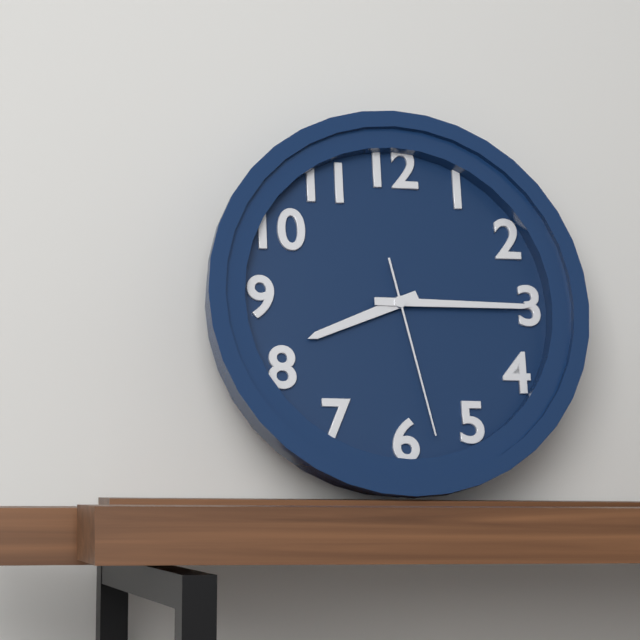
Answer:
8:15:28
